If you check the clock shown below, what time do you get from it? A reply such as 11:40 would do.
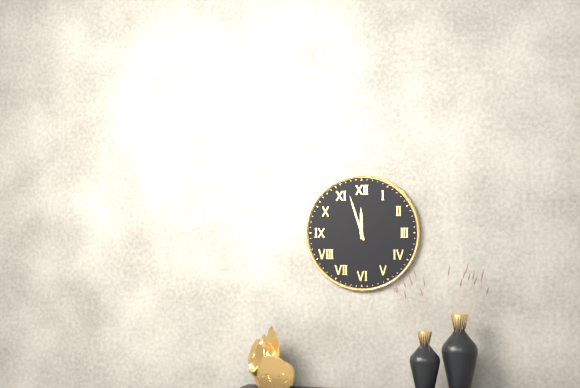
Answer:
11:57
